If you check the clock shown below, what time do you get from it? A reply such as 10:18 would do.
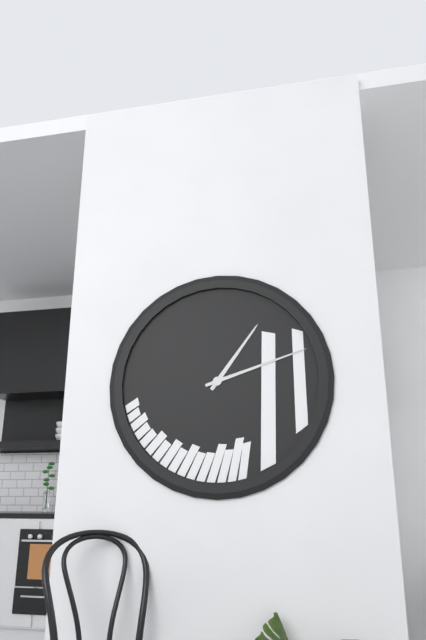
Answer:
1:12
